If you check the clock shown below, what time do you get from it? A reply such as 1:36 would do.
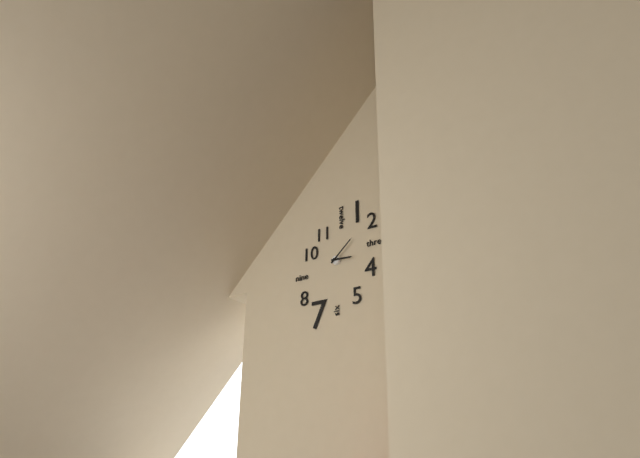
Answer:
3:08
